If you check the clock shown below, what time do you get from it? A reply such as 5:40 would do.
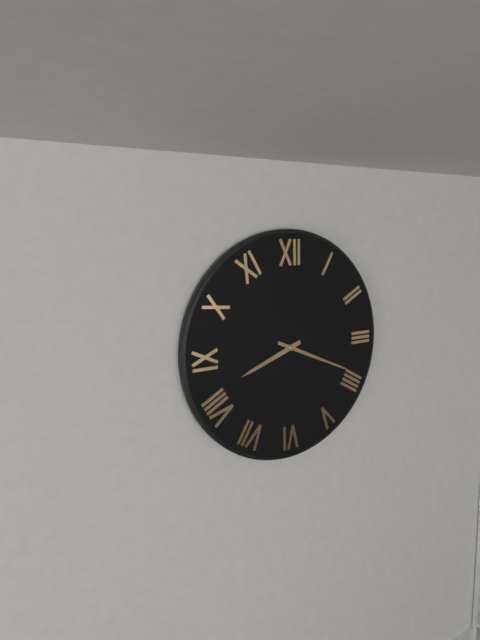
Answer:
8:19
